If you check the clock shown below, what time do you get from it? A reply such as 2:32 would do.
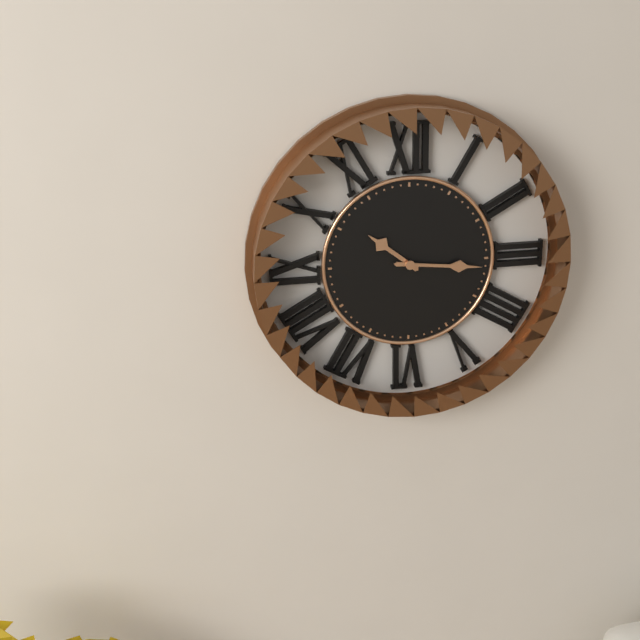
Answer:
10:16
